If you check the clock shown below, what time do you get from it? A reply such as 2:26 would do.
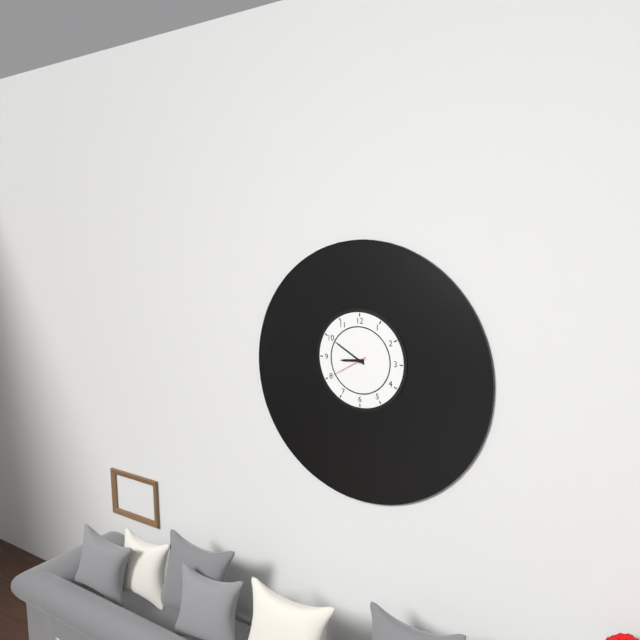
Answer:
8:50
